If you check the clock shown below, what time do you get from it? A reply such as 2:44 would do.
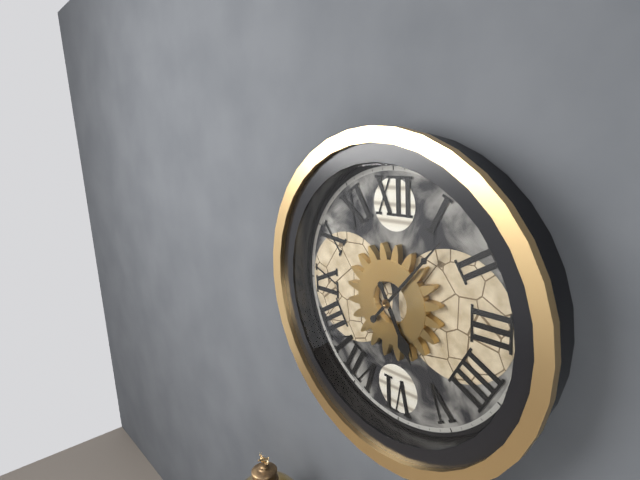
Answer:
5:07
